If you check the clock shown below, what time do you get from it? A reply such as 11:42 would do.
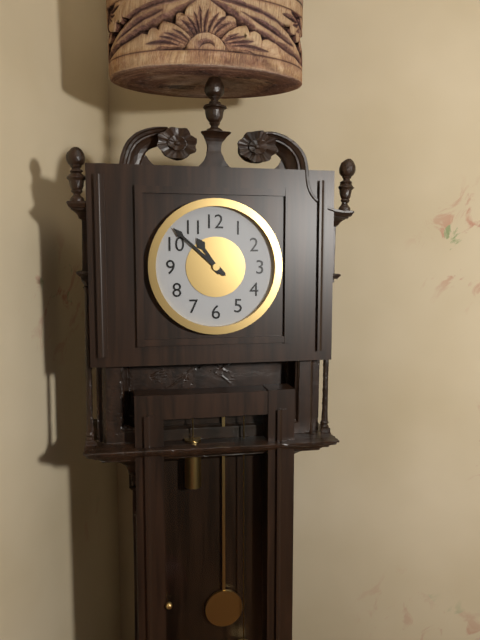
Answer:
10:52
